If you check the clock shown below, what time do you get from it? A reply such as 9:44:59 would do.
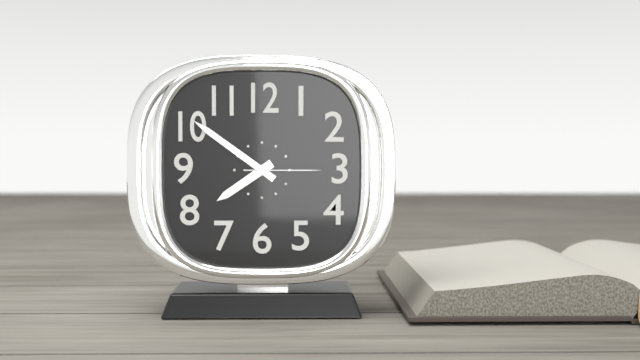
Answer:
7:51:15
